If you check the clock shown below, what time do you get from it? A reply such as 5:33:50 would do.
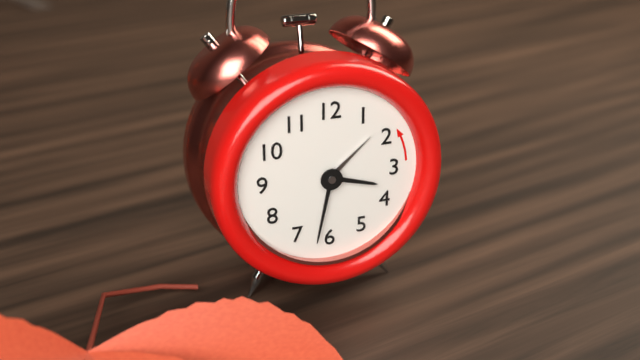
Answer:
3:32:08
